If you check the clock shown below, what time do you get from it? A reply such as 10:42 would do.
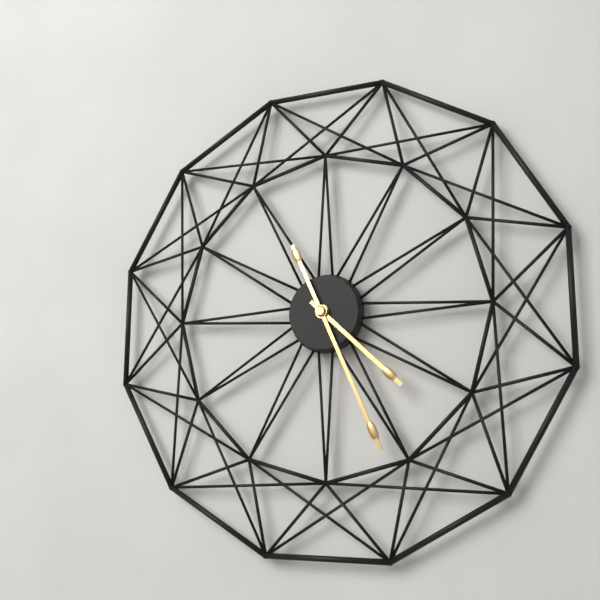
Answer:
4:26
